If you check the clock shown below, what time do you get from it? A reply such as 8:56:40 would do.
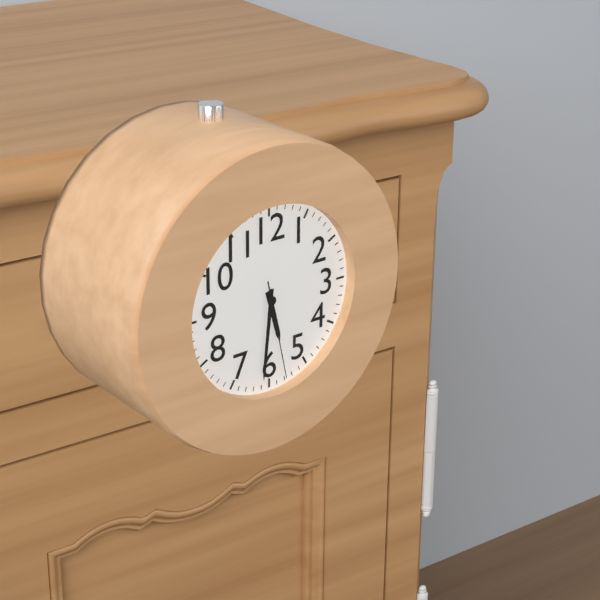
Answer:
5:31:28
